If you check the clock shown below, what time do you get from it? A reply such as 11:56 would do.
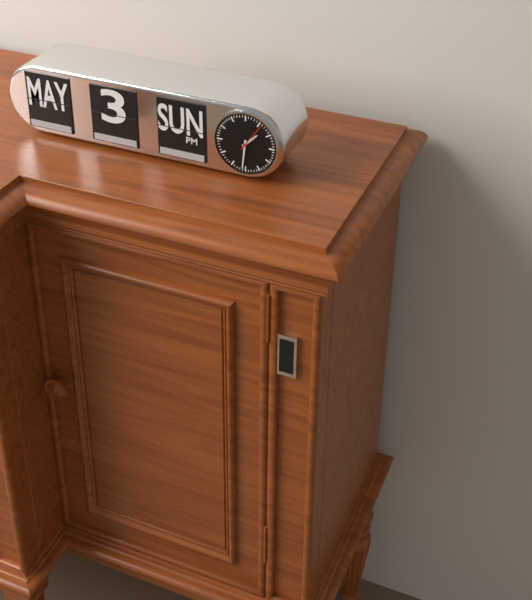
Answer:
1:31
